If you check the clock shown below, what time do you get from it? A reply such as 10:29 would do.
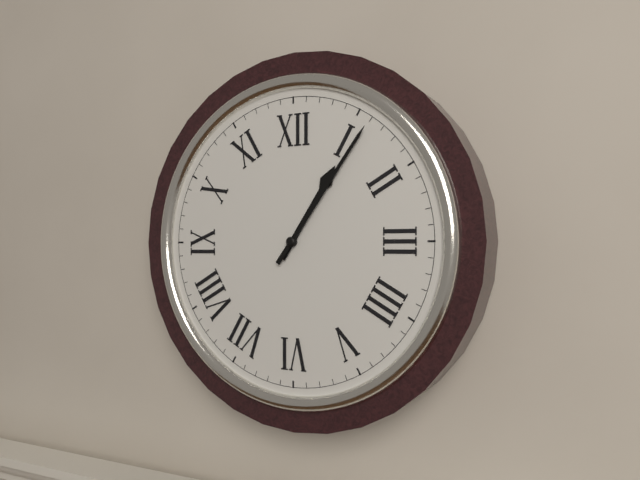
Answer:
1:06
